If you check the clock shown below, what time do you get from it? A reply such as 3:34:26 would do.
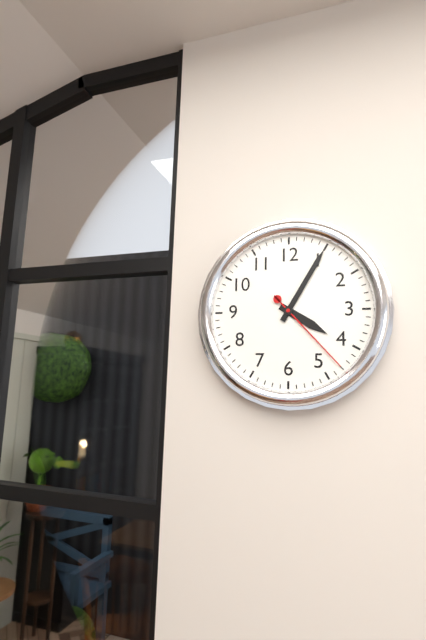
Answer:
4:05:23
